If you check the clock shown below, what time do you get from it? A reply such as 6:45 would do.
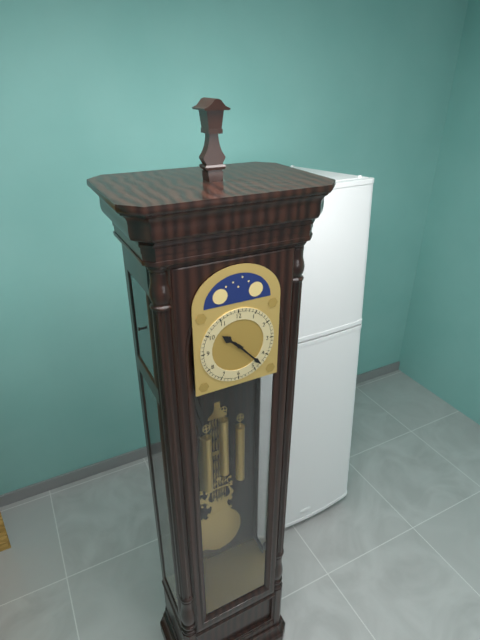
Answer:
10:23
